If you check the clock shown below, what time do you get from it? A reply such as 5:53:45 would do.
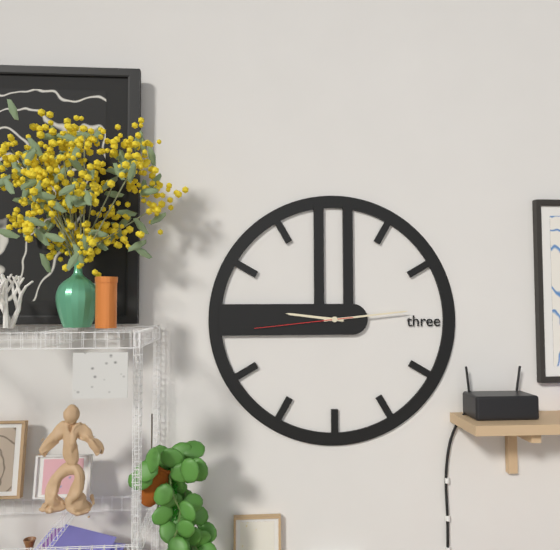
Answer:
9:14:44
